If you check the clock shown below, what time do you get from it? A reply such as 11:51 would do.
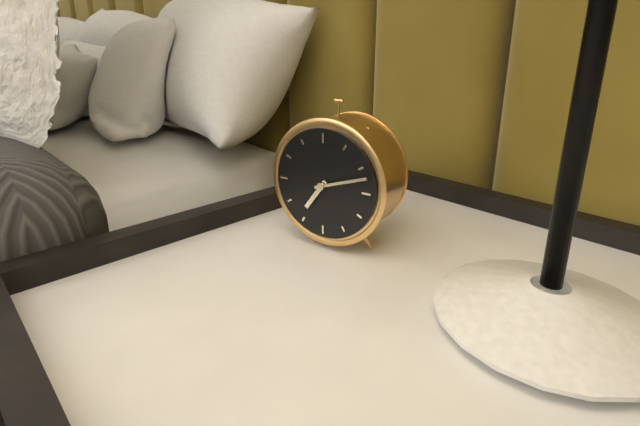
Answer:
7:12
